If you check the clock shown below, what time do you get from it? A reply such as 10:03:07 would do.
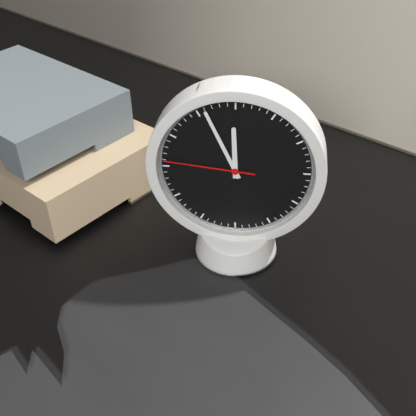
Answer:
11:56:46
